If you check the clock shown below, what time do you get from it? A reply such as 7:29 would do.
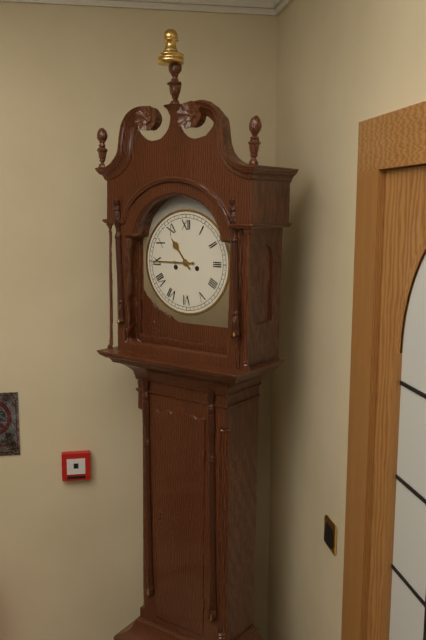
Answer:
10:45
